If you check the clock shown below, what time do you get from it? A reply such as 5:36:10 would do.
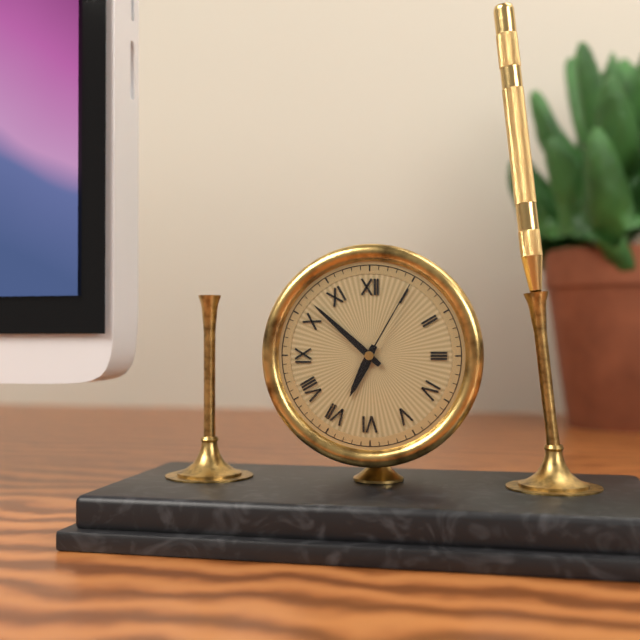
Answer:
6:52:05
